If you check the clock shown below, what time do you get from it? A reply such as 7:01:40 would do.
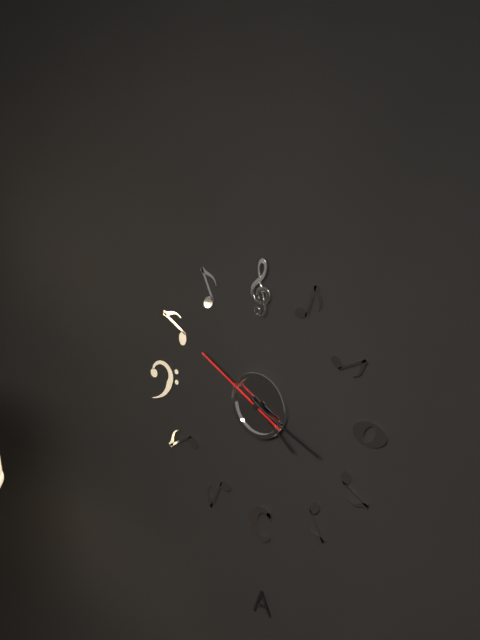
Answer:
4:19:50
